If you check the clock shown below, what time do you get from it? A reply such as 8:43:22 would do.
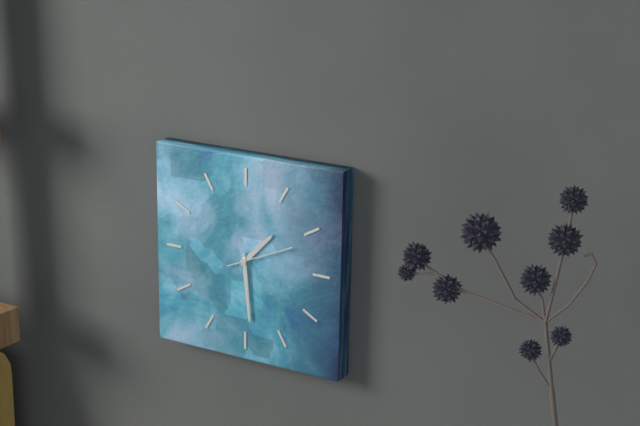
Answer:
1:29:11
